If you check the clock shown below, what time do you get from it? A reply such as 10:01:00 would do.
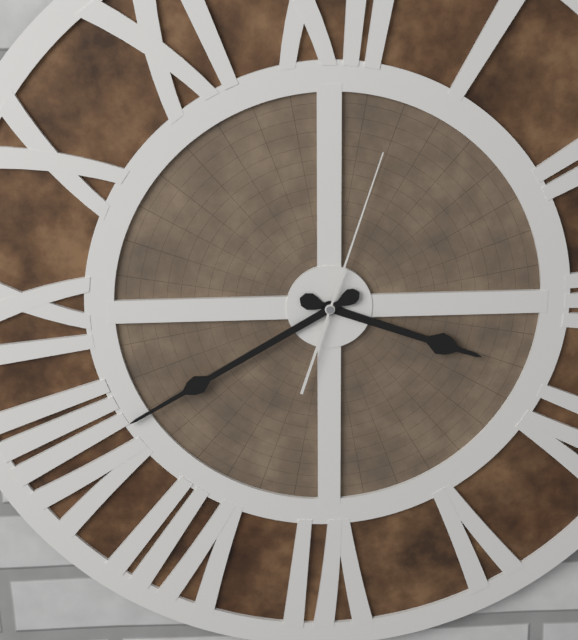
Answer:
3:40:03
